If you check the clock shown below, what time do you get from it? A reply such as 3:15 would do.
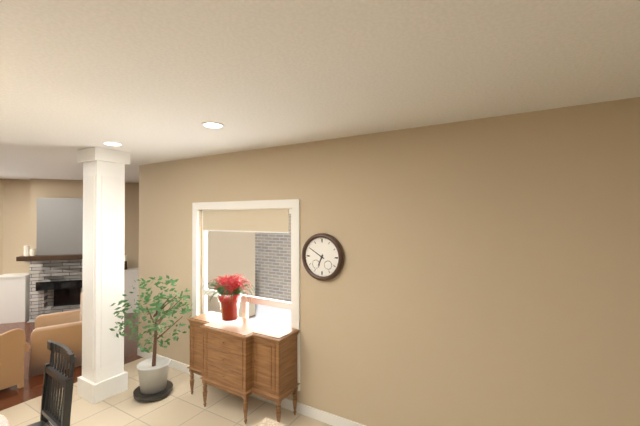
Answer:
6:50
